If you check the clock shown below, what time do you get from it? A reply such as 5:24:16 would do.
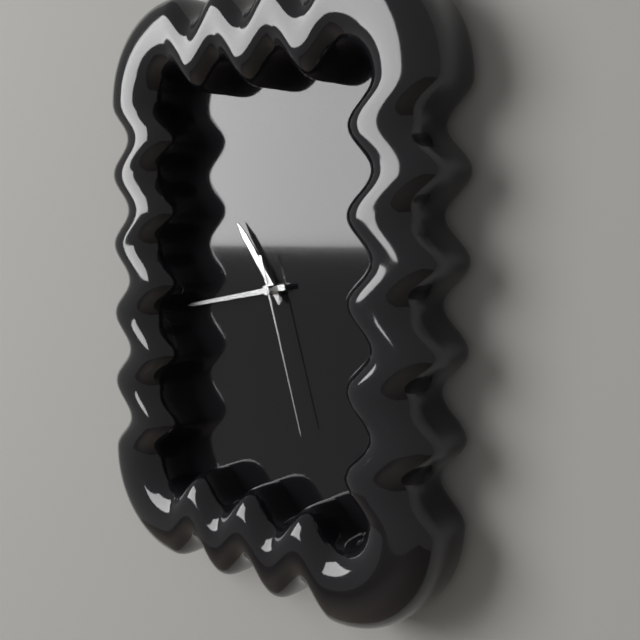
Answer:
10:43:27
